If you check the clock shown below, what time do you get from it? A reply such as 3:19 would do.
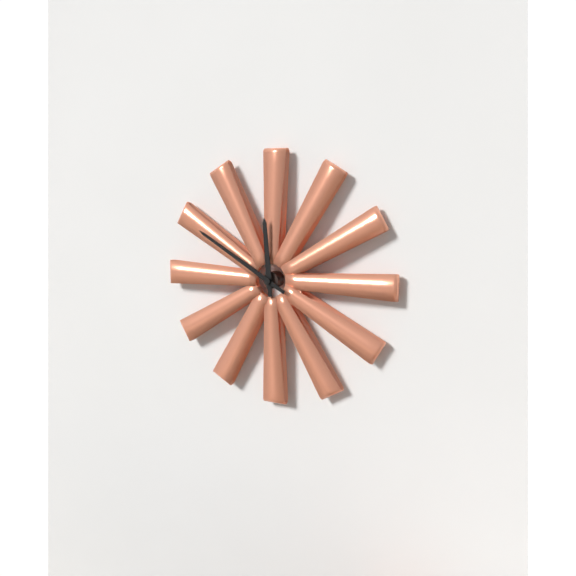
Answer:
11:50
